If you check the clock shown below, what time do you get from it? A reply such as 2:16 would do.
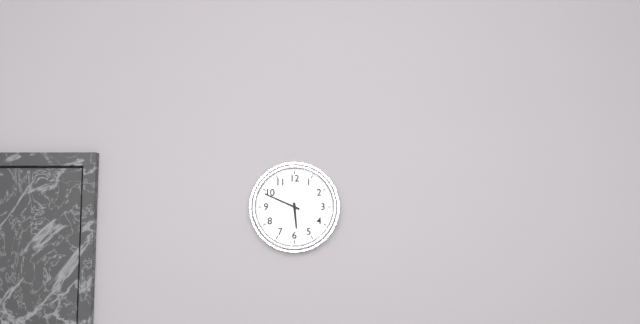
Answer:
5:49
